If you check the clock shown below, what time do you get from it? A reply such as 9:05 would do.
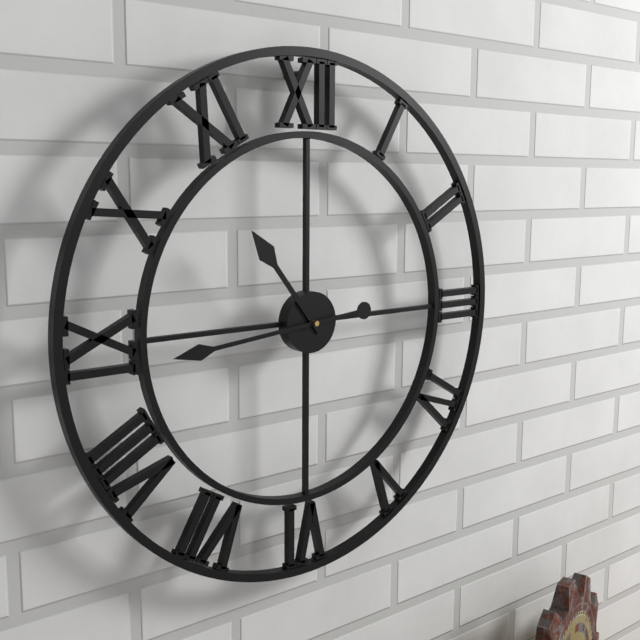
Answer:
10:44
